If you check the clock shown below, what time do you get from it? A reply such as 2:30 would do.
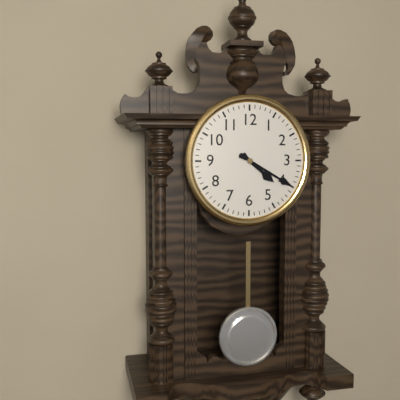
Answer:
4:20
